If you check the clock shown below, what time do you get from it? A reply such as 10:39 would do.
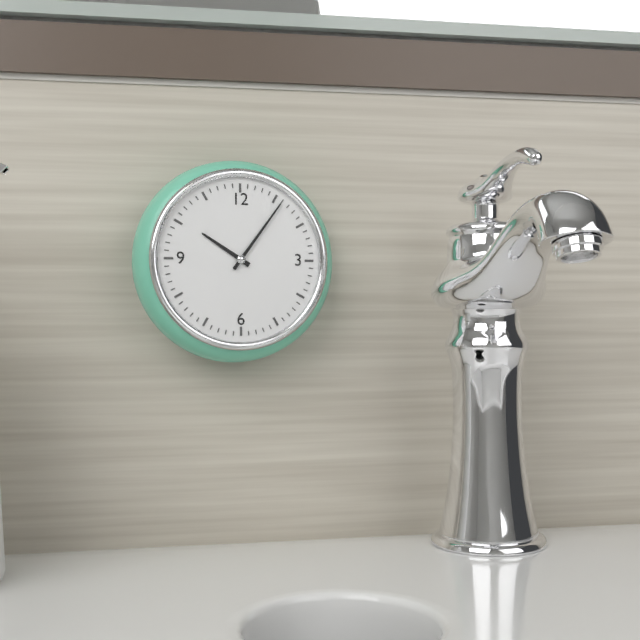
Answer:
10:06
